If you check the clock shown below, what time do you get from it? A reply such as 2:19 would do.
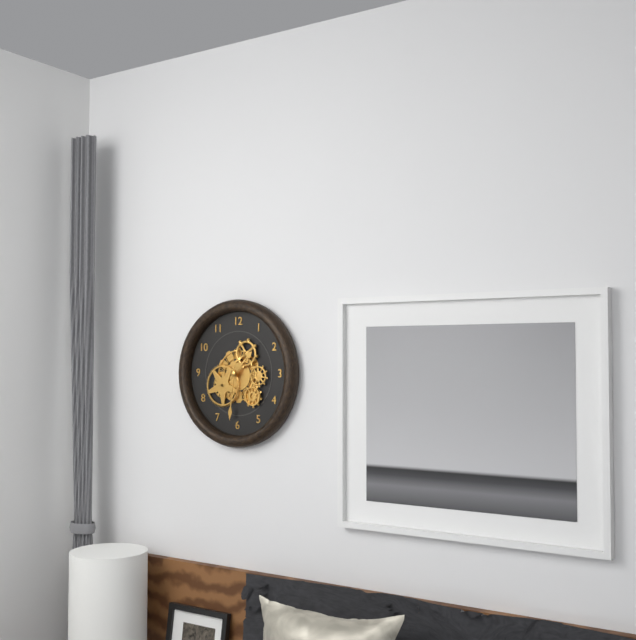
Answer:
1:31
